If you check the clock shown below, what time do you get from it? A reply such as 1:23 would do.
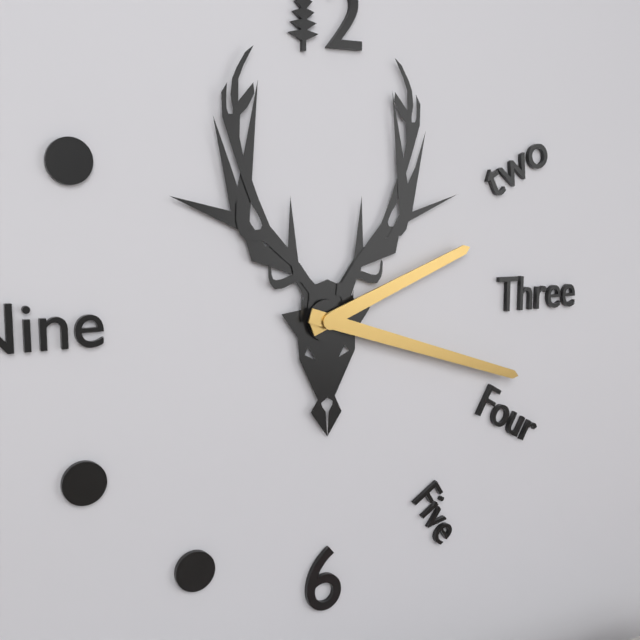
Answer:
2:18
